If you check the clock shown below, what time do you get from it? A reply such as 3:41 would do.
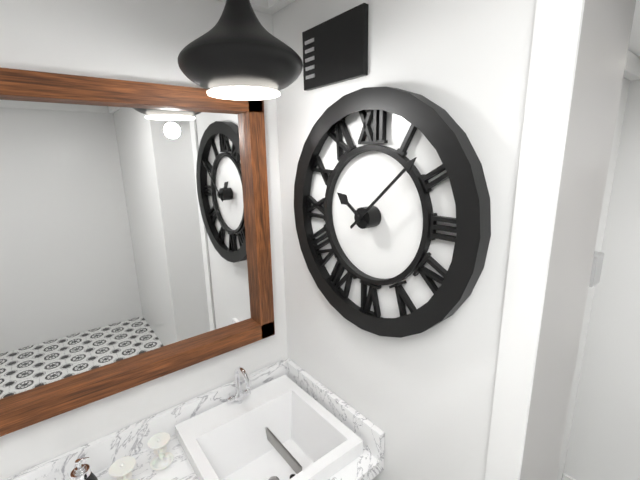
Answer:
10:08
